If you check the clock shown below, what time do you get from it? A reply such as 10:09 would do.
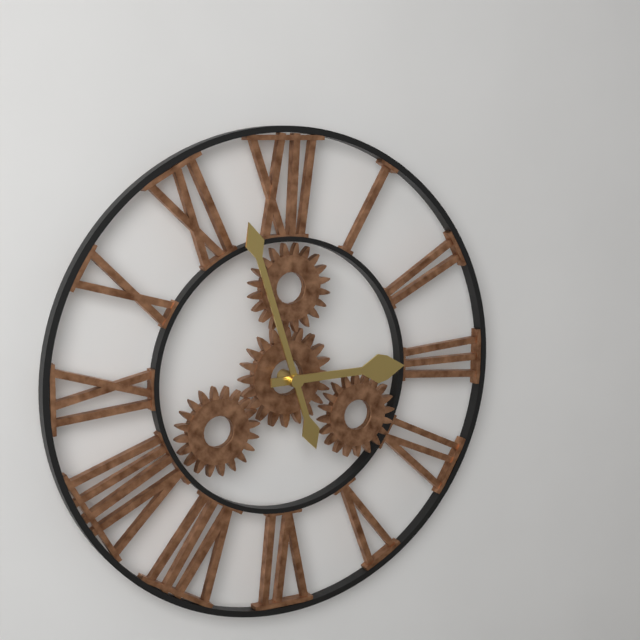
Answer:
2:57
